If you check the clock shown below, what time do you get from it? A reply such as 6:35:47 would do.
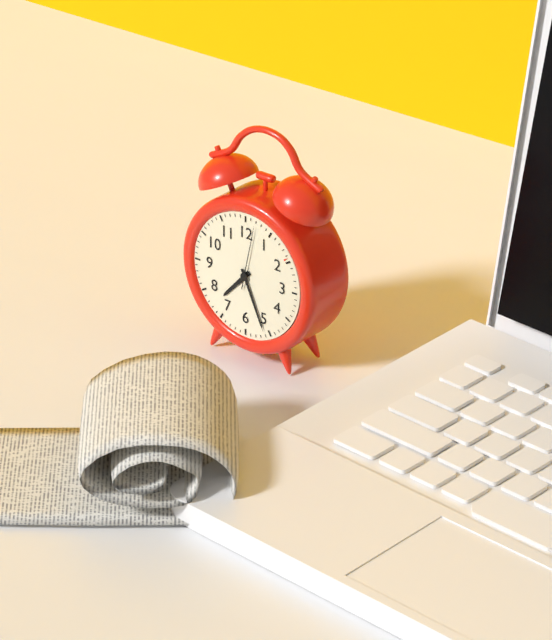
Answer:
7:26:02
